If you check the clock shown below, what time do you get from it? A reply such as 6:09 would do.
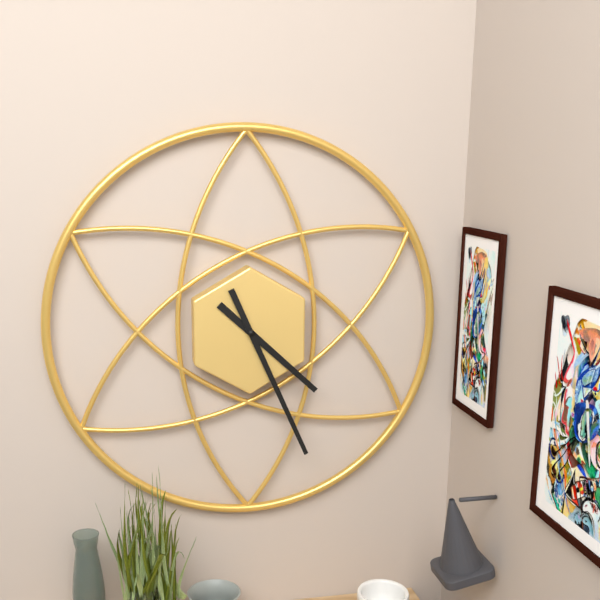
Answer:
4:26
